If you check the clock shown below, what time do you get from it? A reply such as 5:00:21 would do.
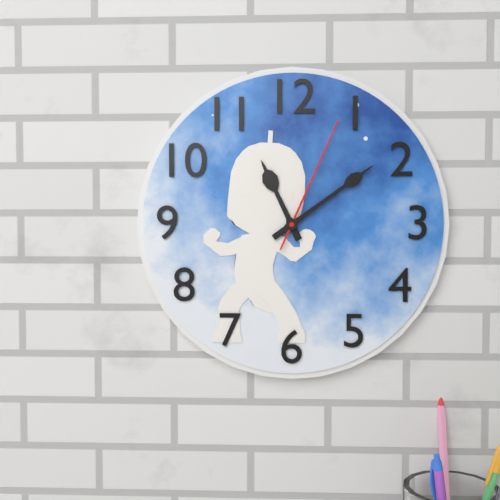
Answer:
11:09:04
